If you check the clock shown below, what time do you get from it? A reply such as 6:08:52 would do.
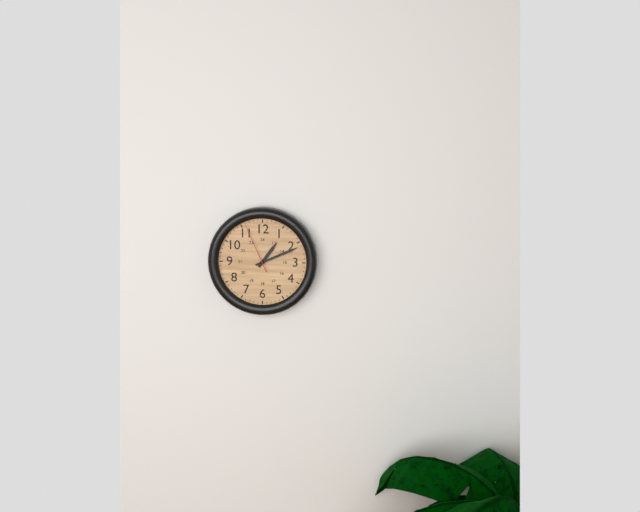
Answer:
1:11:56
